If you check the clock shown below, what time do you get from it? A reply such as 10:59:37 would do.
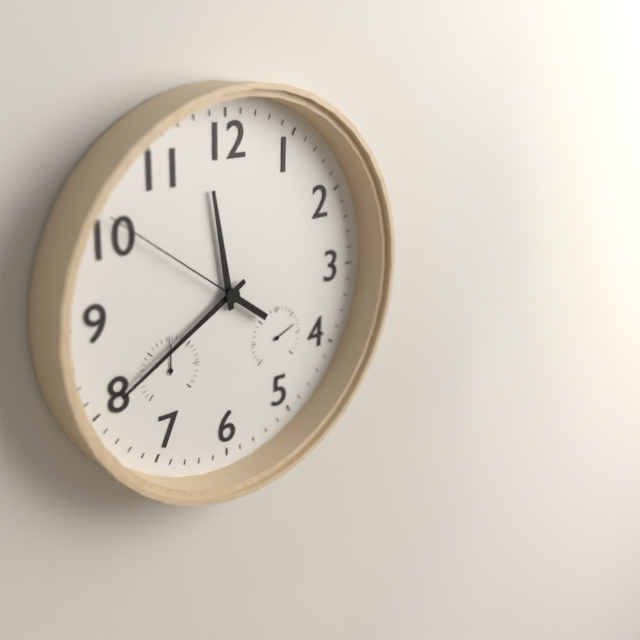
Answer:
11:40:51
